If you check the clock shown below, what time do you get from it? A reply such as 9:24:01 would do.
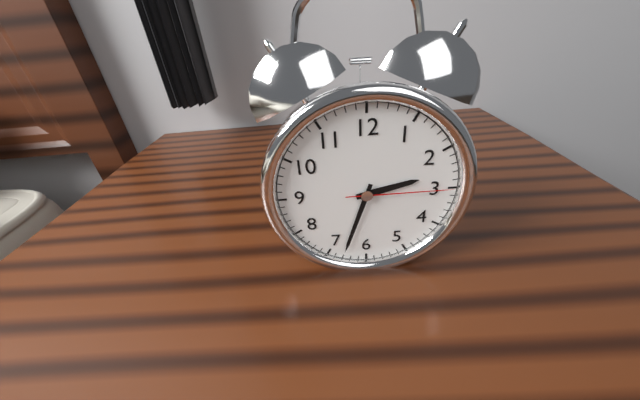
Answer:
2:33:15
